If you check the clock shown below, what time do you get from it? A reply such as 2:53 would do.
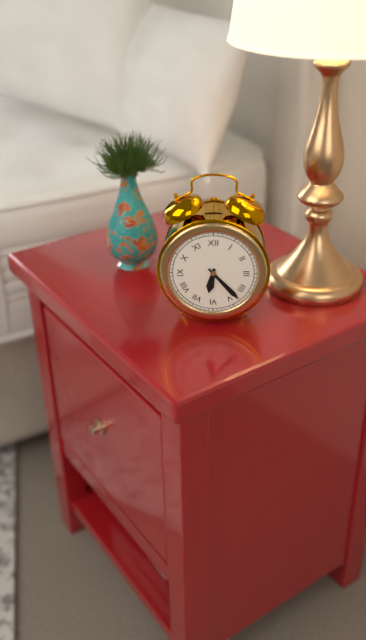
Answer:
6:23
